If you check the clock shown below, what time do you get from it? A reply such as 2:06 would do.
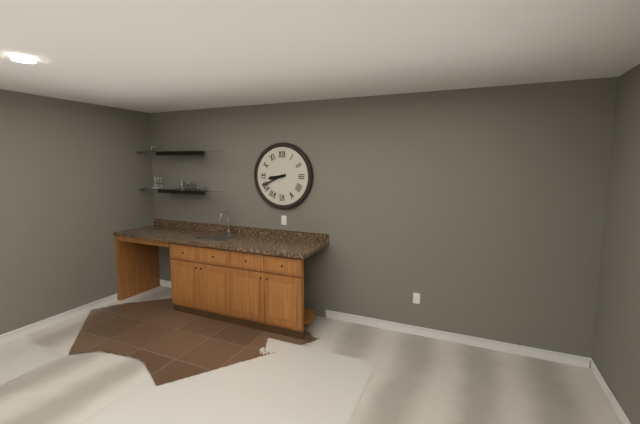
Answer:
8:41
